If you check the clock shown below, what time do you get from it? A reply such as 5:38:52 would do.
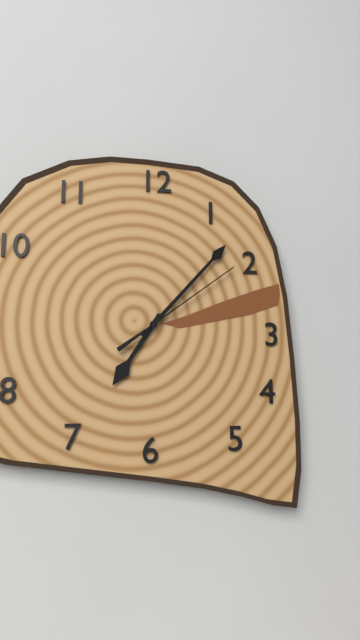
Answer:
7:07:09
